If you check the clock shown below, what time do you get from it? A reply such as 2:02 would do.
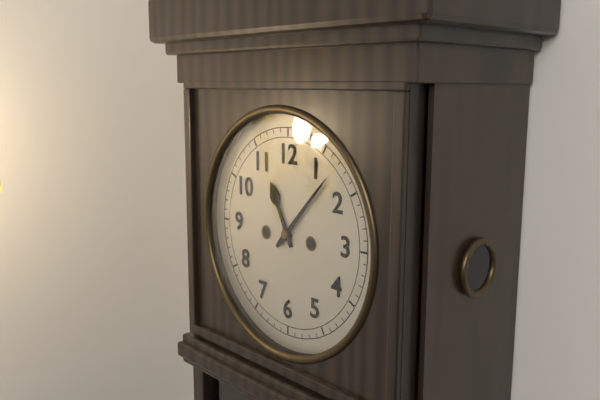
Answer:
11:07
